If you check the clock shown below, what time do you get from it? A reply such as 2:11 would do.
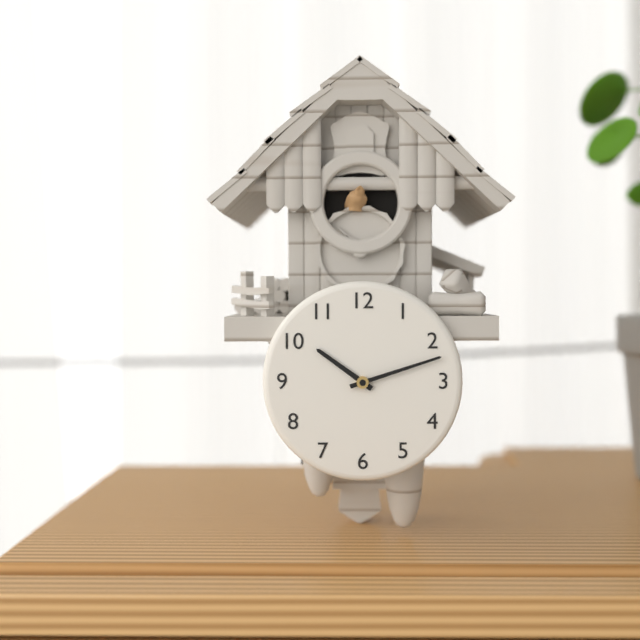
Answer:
10:12
